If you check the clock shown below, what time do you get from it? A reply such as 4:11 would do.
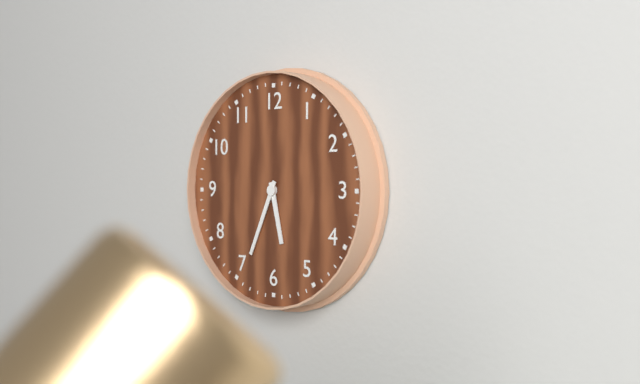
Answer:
5:34
